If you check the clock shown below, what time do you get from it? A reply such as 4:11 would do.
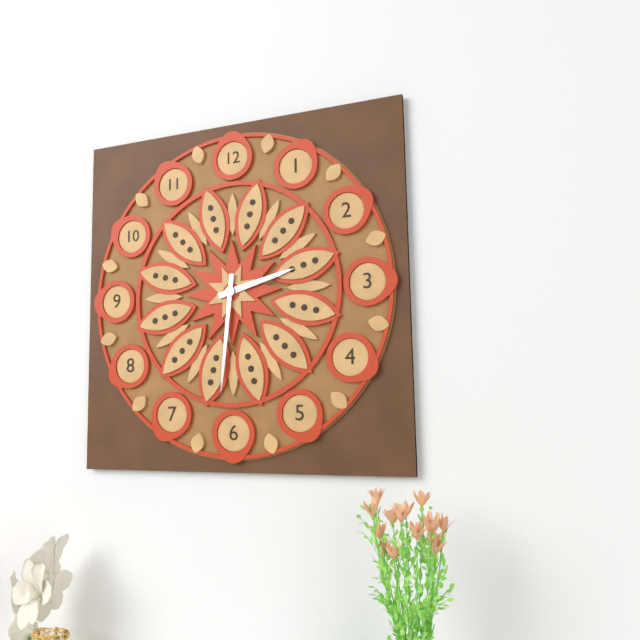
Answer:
2:31
